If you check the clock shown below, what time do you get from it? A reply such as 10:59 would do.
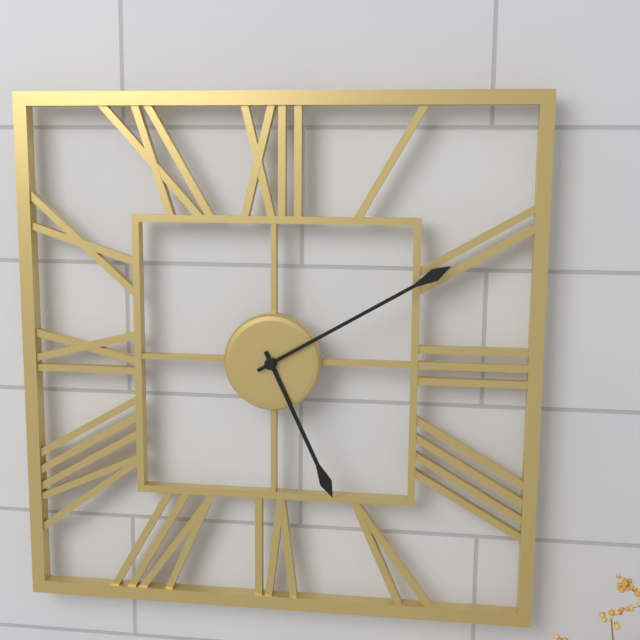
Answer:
5:10
